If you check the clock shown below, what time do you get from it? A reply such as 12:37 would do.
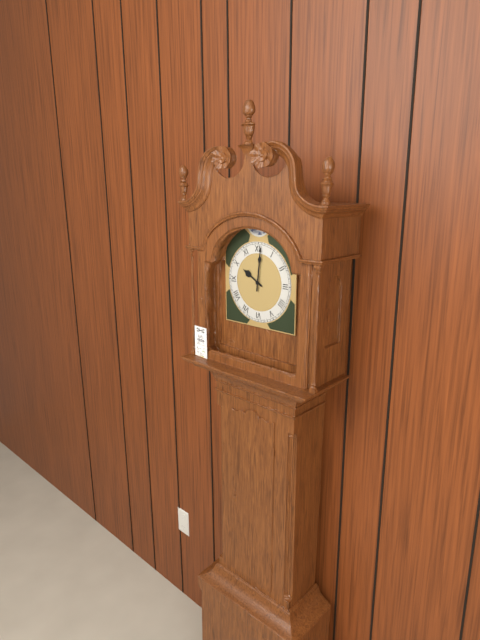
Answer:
10:01
